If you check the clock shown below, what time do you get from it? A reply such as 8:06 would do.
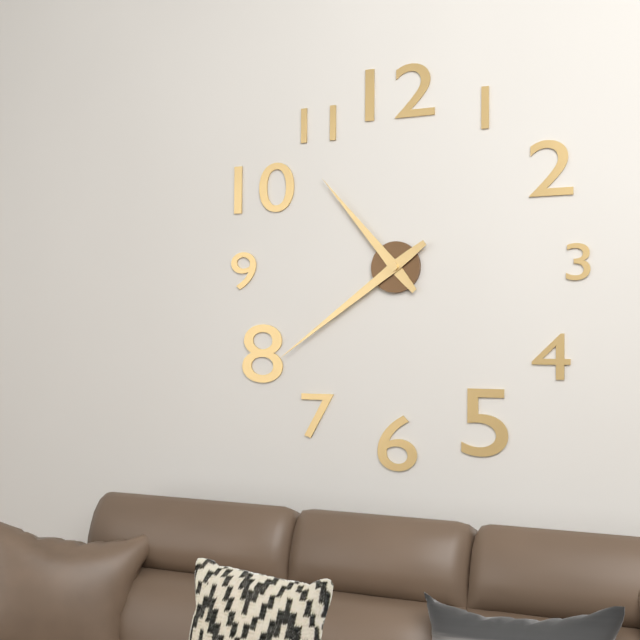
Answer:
10:39
